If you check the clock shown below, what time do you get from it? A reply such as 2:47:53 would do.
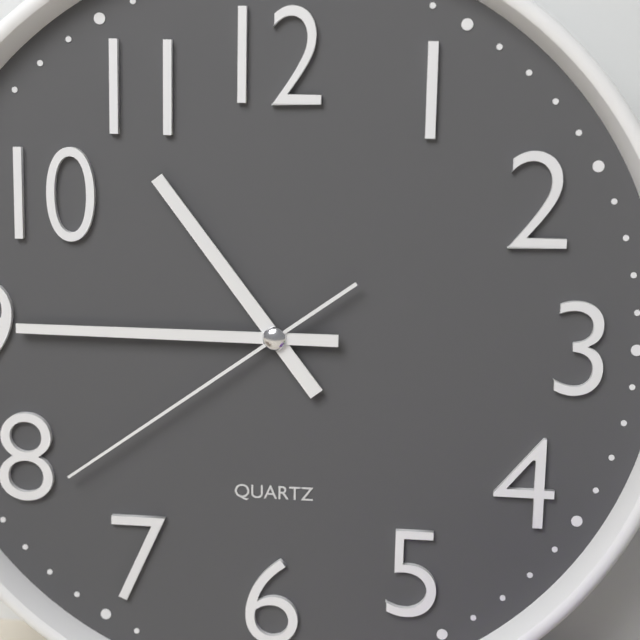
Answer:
10:45:39
